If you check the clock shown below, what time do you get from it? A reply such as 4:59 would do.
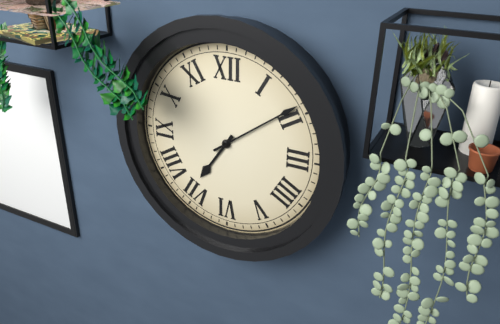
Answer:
7:09
